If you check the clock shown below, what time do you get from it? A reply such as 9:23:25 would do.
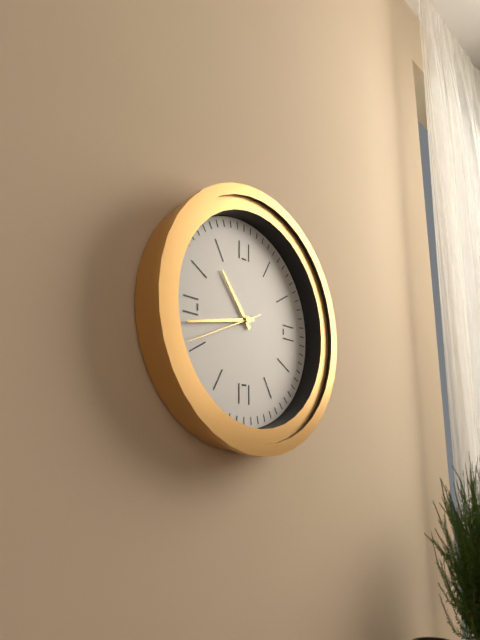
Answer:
10:43:41
